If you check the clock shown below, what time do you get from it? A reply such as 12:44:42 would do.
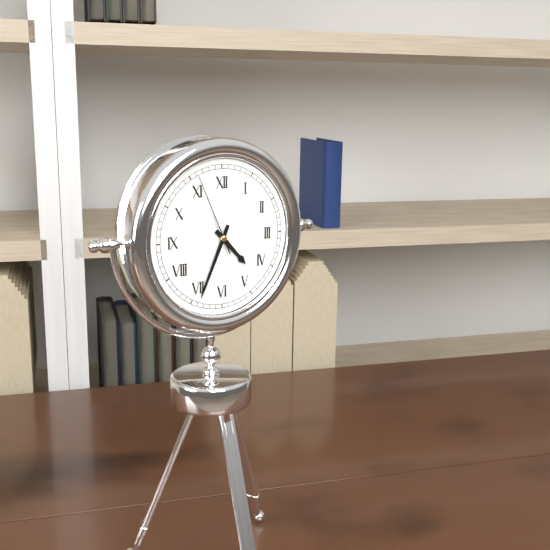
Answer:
4:34:56
